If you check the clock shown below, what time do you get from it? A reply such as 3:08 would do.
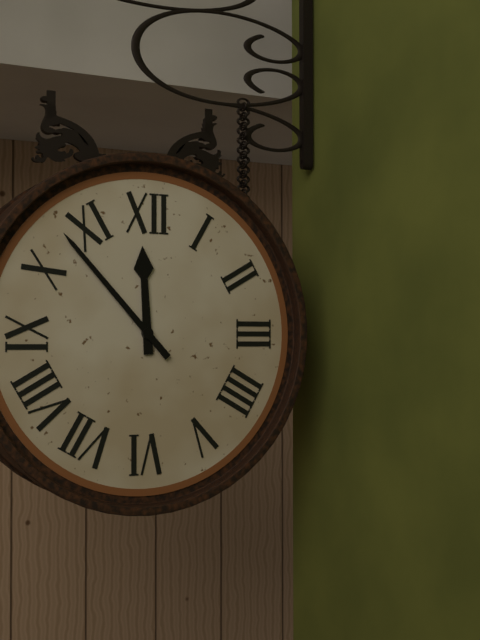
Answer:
11:53
